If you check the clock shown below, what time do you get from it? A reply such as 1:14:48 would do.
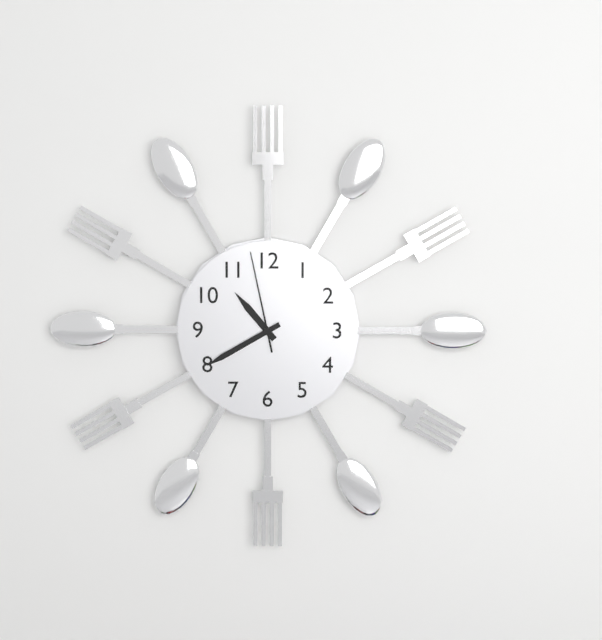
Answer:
10:40:58
